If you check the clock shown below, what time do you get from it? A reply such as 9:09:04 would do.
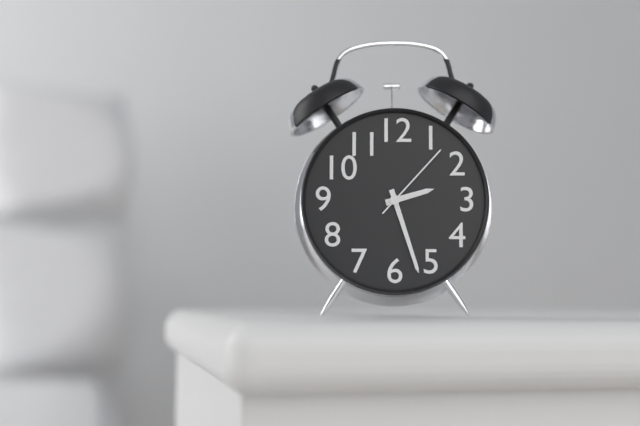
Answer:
2:27:07
